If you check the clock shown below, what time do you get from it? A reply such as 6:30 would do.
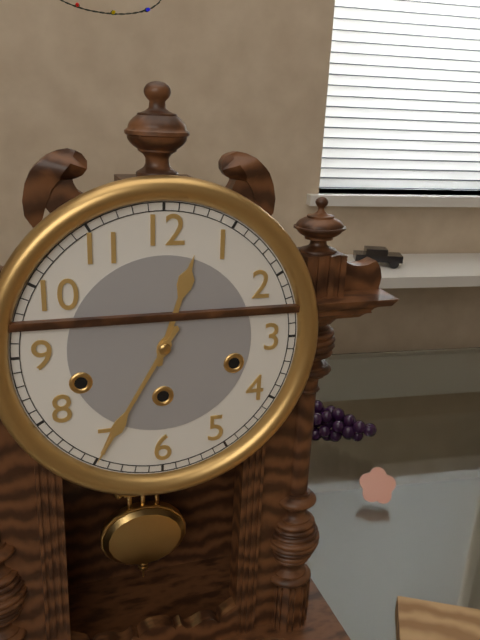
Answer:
12:35
